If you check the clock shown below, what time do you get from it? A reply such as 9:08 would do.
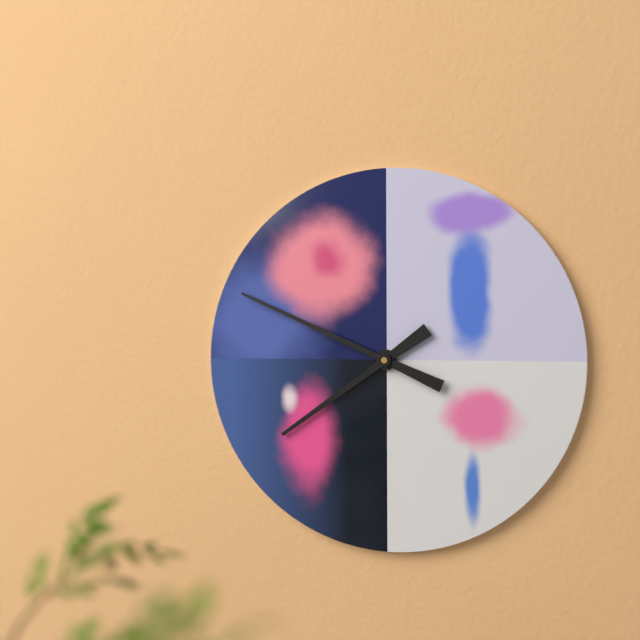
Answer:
7:49
